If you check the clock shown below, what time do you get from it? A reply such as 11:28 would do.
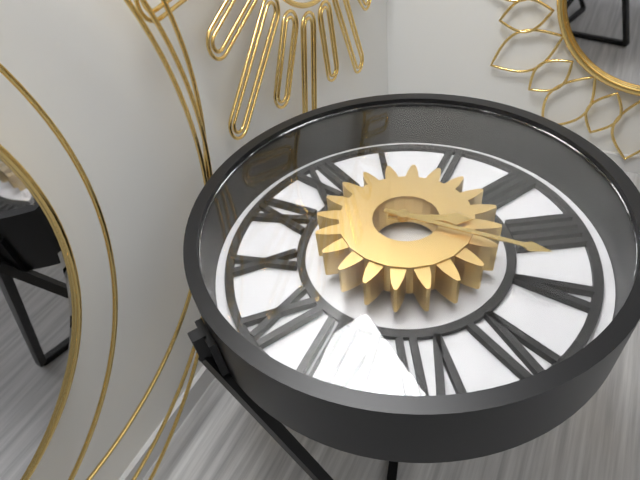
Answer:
4:25
